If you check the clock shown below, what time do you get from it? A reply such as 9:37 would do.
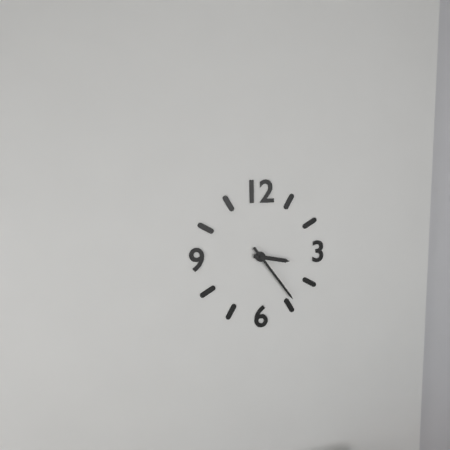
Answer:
3:24
